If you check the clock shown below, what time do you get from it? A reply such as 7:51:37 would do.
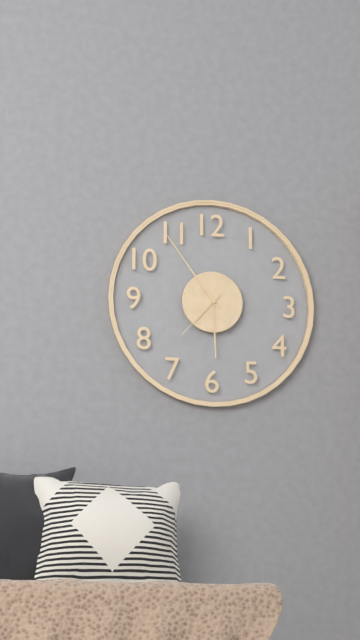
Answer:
5:54:37
